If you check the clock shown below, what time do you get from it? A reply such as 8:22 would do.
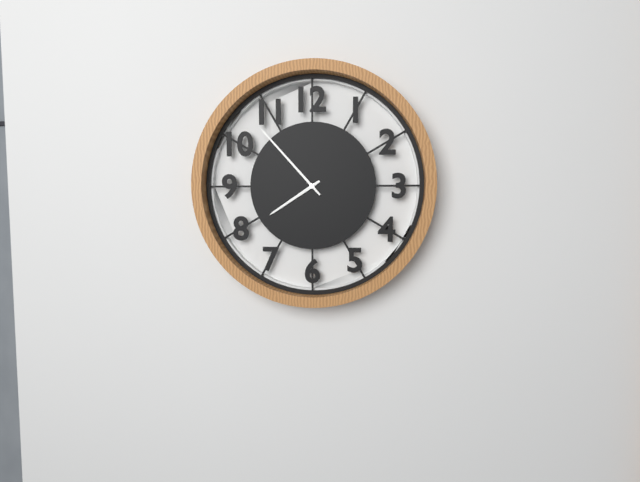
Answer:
7:53
